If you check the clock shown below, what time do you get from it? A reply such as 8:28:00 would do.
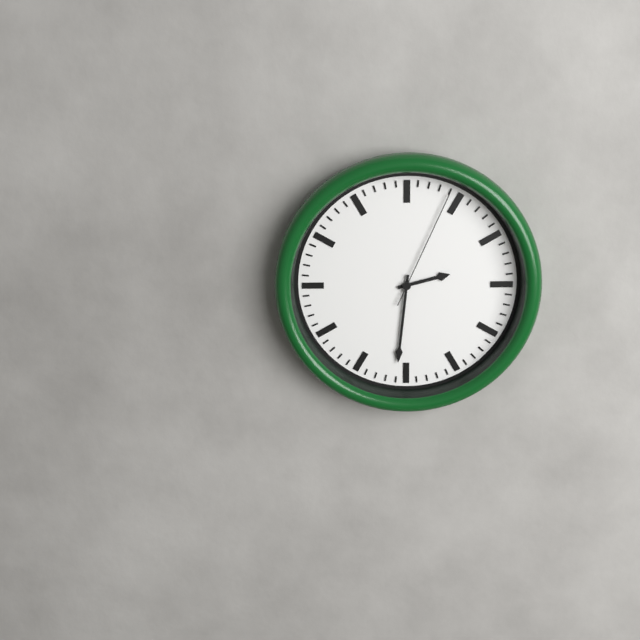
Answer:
2:31:04
